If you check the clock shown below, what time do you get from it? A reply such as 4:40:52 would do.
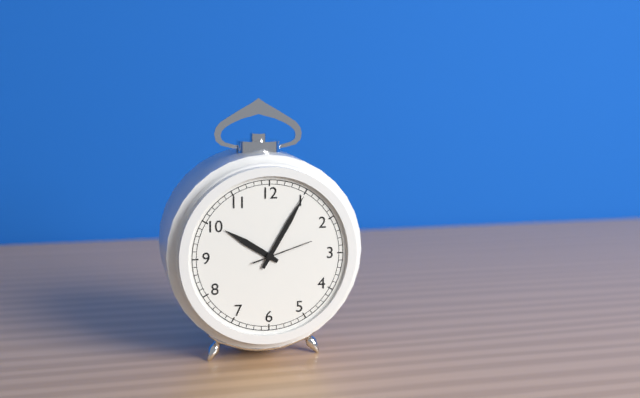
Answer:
10:05:12
